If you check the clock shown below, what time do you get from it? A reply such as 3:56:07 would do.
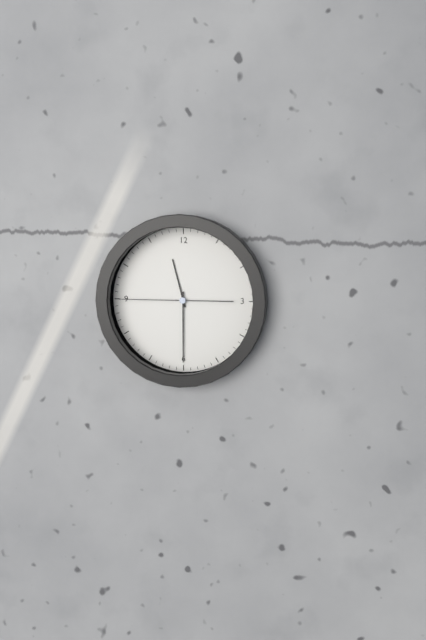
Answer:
11:30:45
